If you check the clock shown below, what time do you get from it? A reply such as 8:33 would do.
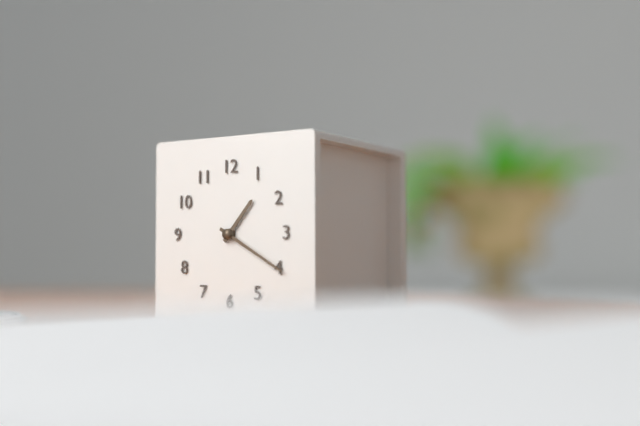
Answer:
1:20
